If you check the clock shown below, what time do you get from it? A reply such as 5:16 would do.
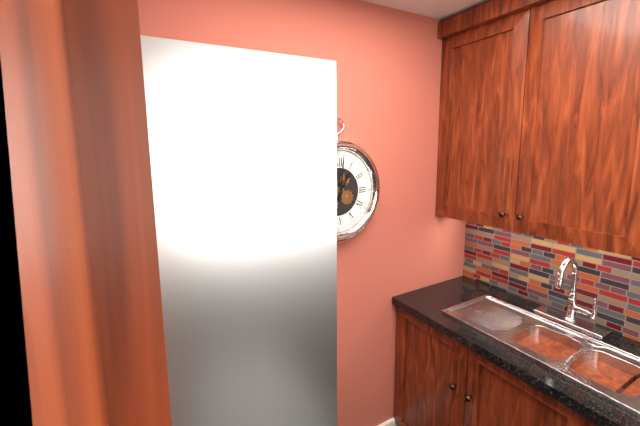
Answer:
1:01
